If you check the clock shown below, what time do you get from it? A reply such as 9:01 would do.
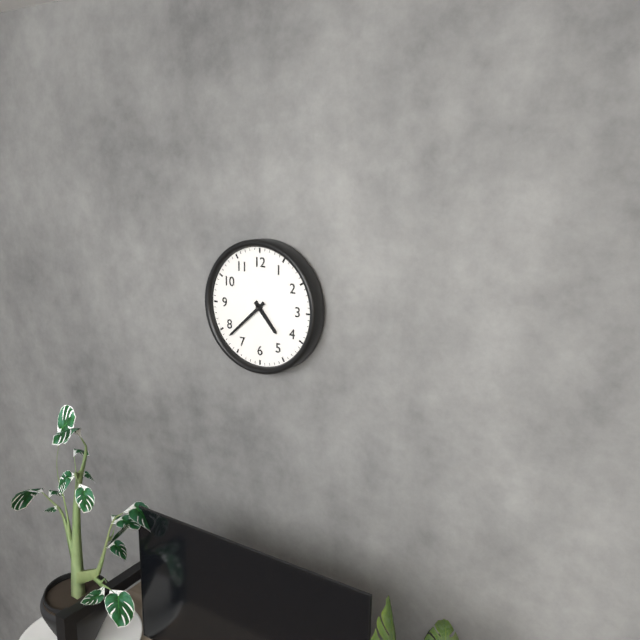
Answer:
4:38
